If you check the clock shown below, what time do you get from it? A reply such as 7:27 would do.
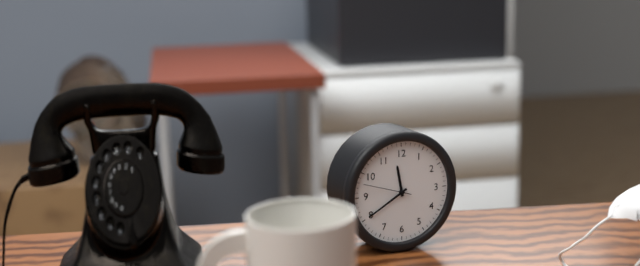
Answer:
11:40
